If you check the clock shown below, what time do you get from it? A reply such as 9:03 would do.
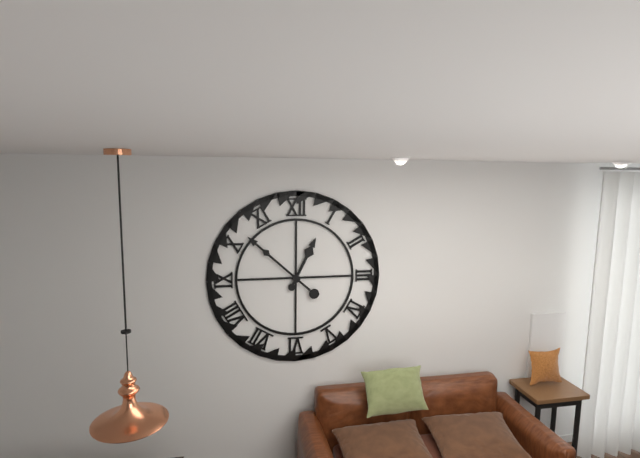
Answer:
12:52
